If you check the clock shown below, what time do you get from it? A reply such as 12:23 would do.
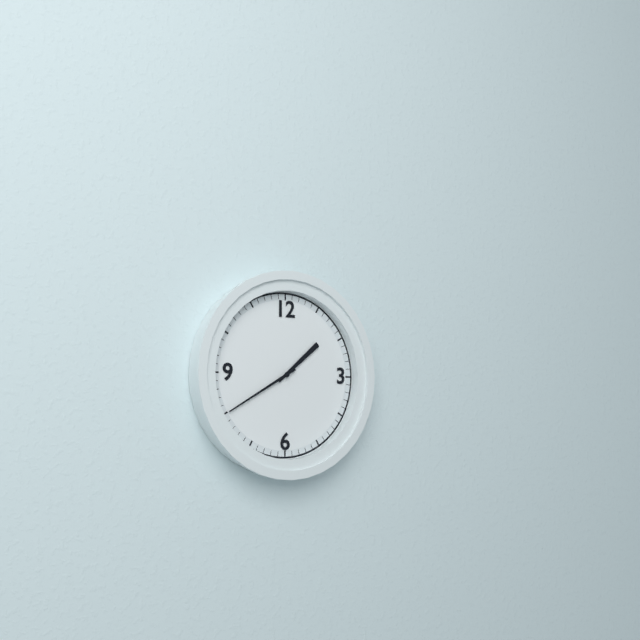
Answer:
1:40
